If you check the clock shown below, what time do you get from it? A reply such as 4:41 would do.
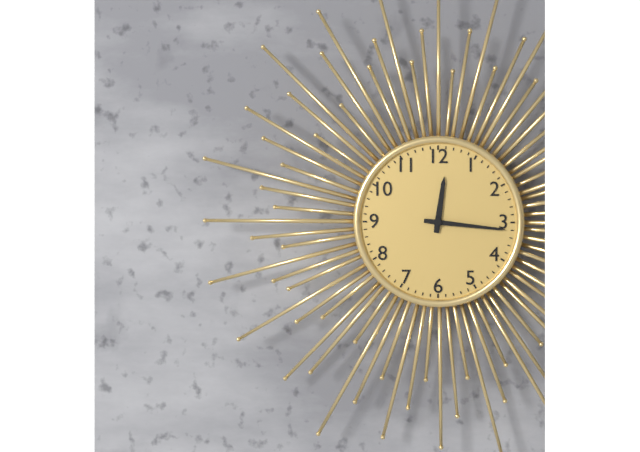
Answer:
12:16
